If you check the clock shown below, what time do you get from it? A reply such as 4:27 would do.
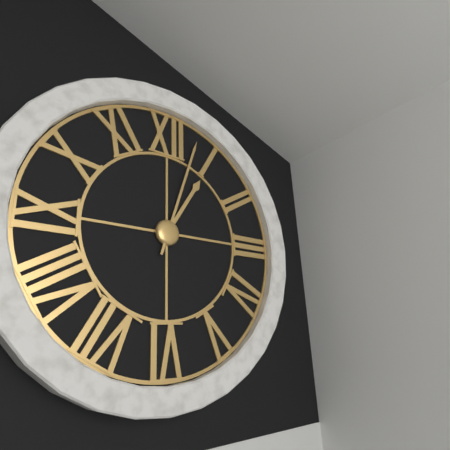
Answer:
1:03
